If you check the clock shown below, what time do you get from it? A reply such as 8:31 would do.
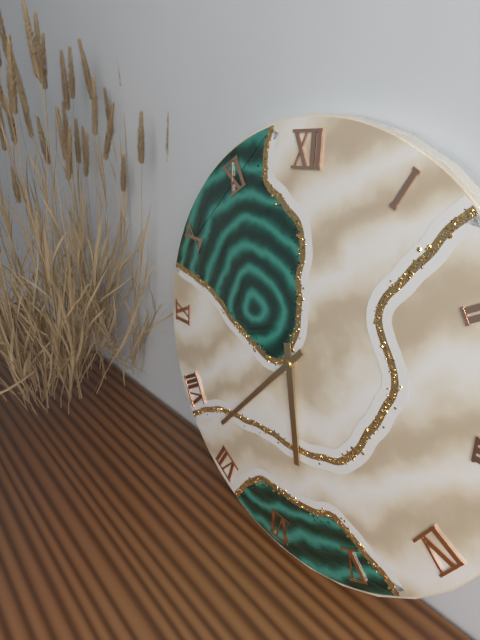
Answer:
5:37
